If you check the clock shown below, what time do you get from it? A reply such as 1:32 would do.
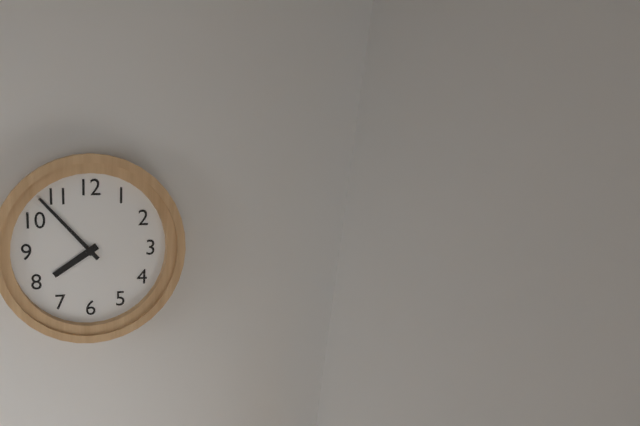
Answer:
7:53
